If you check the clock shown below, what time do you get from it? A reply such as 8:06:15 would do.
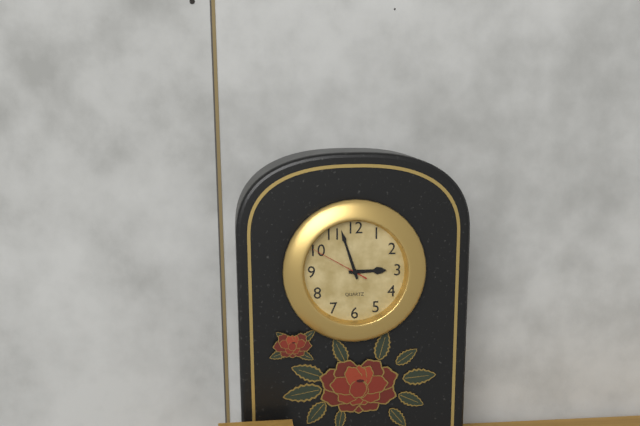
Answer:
2:57:50
